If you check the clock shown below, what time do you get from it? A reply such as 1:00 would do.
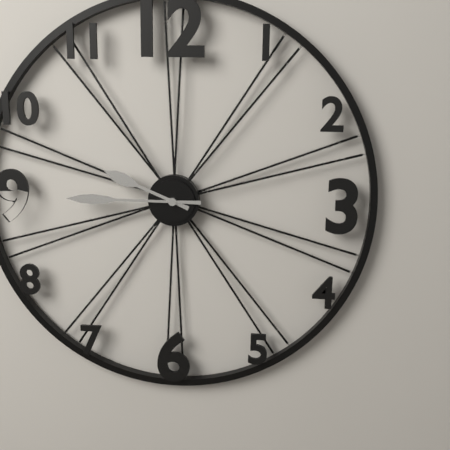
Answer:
9:45
